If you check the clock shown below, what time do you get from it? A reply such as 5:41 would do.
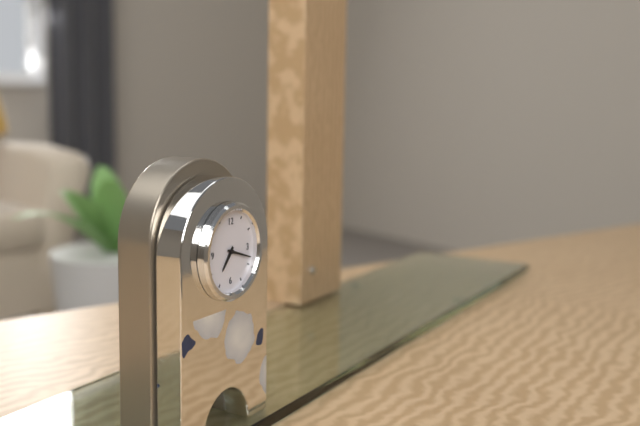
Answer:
7:18
